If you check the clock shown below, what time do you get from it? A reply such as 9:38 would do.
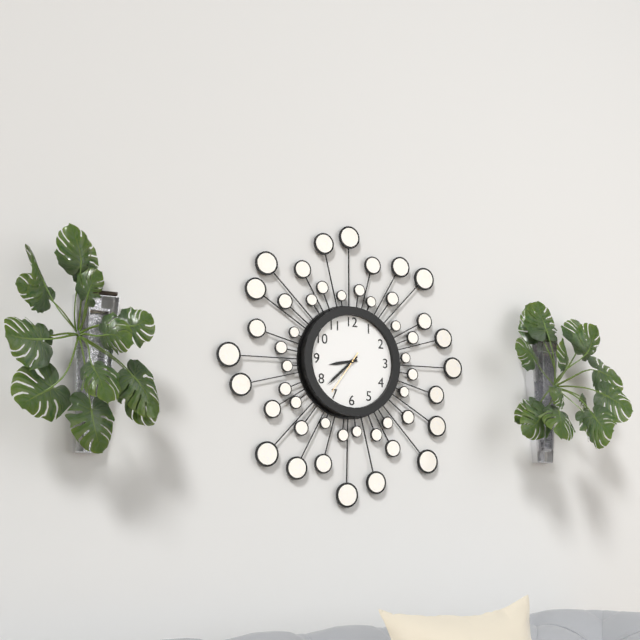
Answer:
8:38
